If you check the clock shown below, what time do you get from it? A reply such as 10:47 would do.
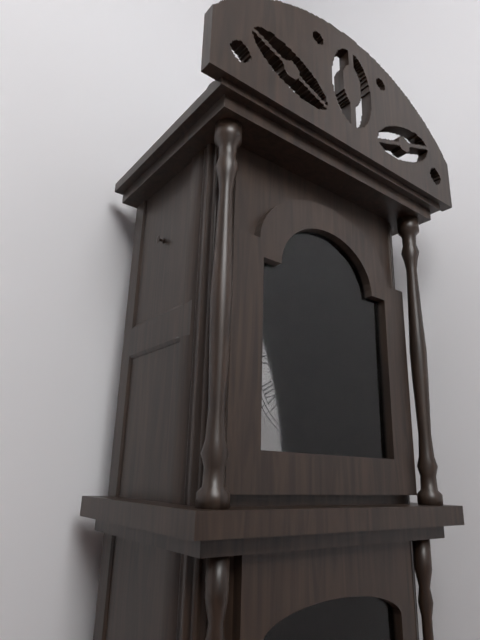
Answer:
10:38
